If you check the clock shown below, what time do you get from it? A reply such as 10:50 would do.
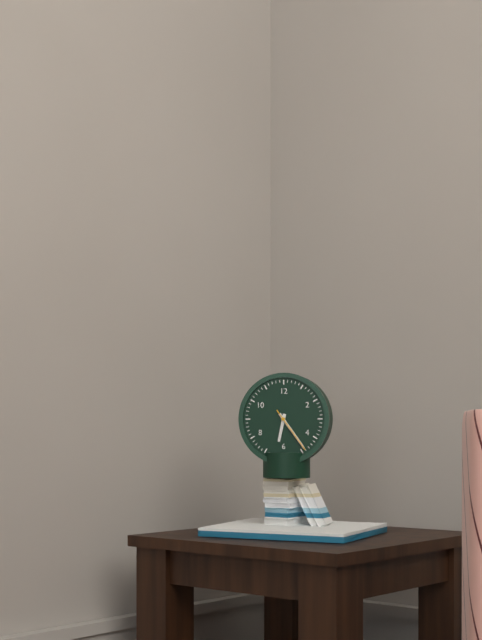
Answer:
6:24
